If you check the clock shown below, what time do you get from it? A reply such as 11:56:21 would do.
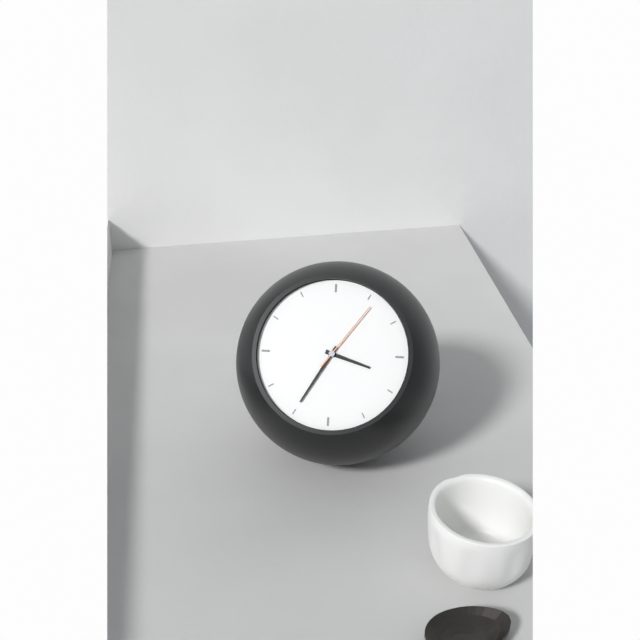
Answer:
3:35:06
